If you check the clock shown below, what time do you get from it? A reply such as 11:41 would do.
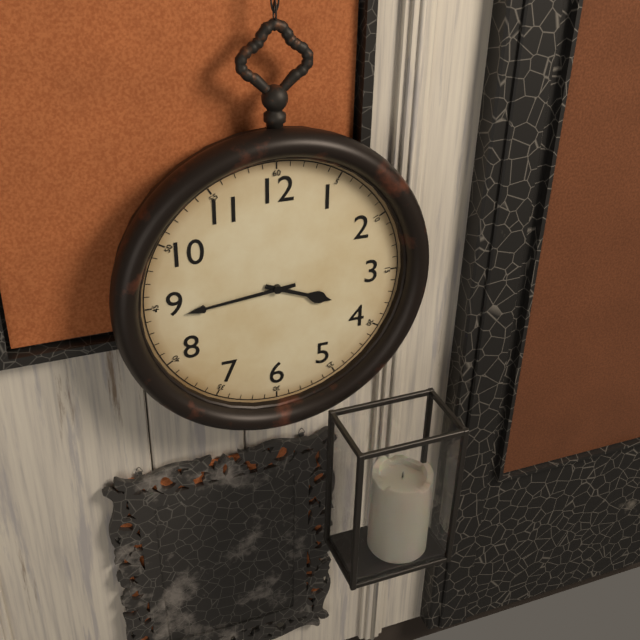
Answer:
3:44
